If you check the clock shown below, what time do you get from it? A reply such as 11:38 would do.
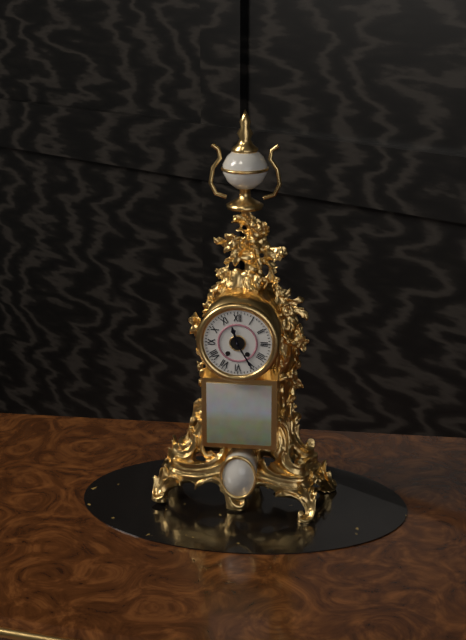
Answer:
11:25
